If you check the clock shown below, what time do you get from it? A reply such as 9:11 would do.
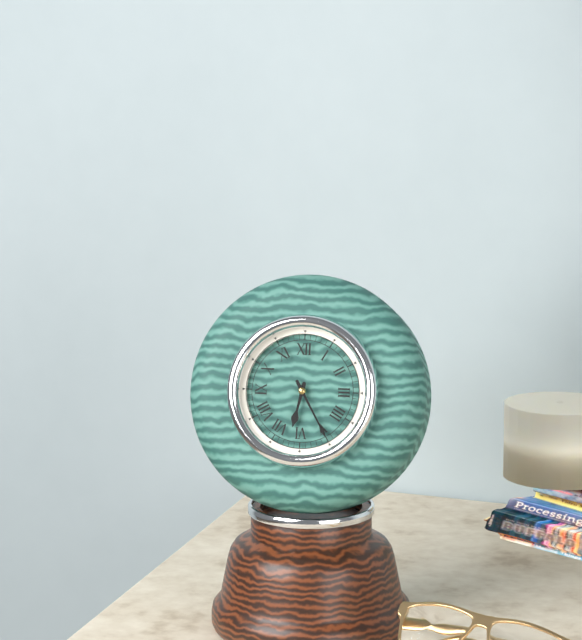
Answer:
6:25
